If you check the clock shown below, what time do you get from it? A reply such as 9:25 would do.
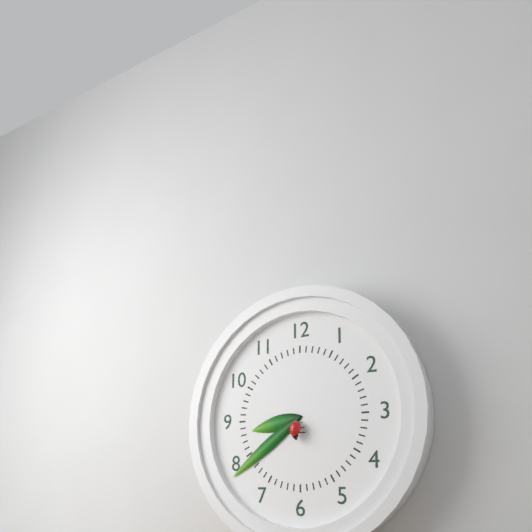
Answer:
8:39
